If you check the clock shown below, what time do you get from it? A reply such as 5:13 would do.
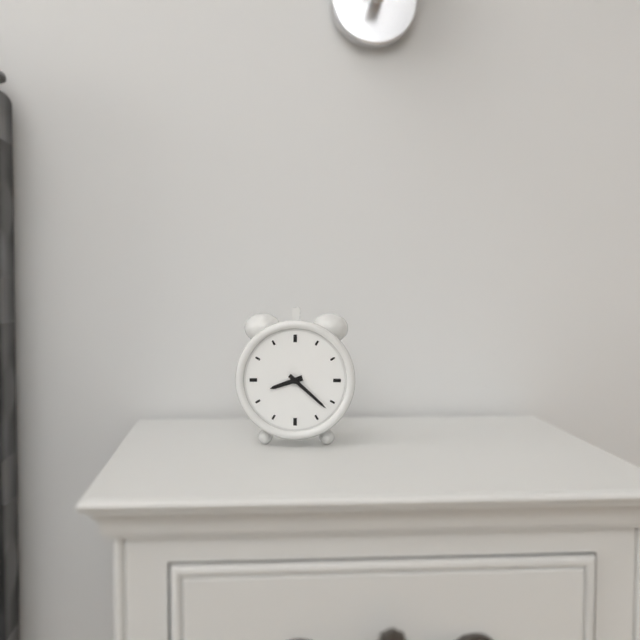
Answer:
8:22
